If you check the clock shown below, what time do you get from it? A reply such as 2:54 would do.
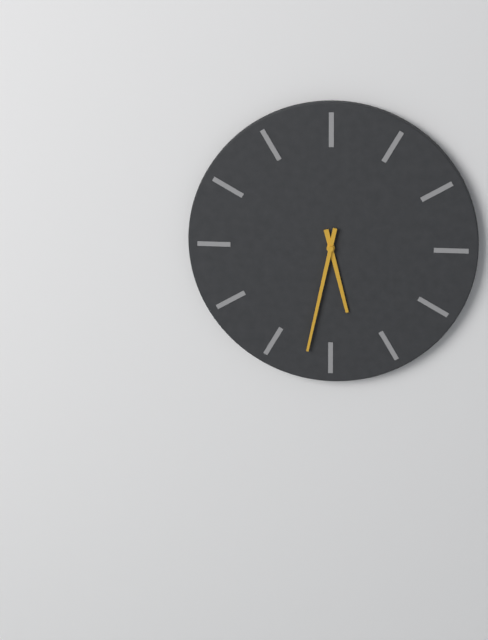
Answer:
5:32
